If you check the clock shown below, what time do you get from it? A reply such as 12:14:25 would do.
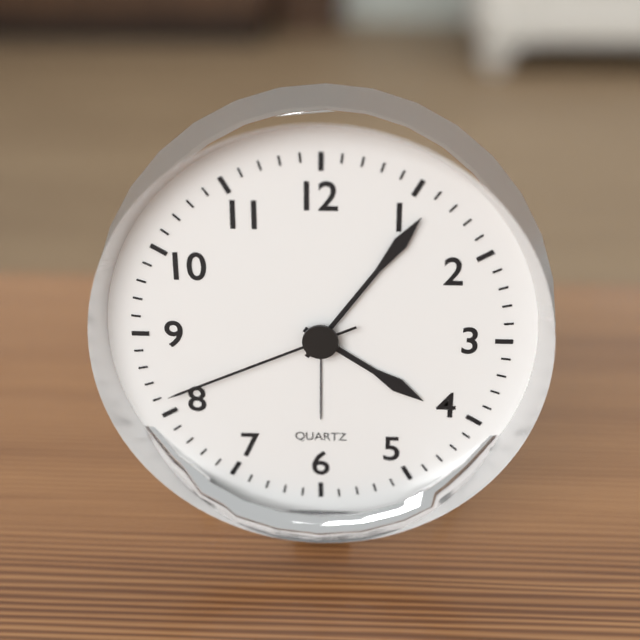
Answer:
4:06:41
